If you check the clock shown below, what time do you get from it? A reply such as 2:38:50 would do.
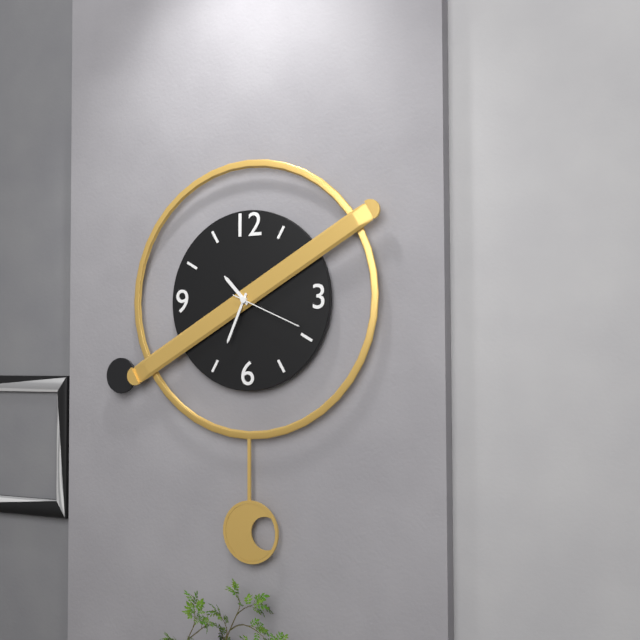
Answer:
10:34:19
